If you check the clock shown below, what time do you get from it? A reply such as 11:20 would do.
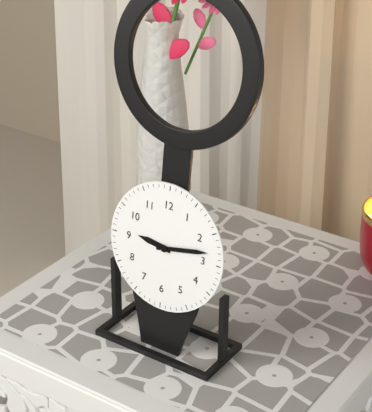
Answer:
9:13
